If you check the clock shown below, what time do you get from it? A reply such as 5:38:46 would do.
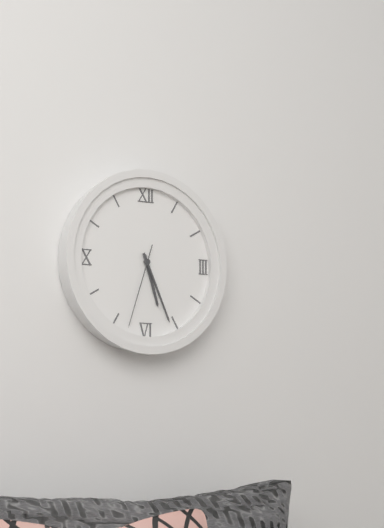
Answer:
5:26:33
